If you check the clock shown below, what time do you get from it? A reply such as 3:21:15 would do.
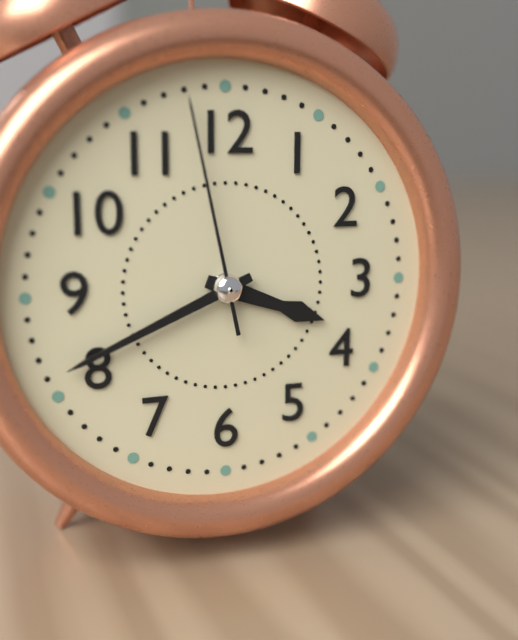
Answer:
3:41:58
